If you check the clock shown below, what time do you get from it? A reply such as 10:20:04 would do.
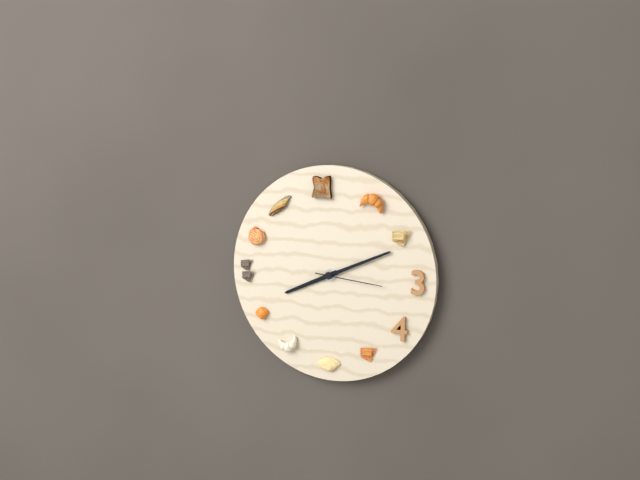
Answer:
8:11:16
